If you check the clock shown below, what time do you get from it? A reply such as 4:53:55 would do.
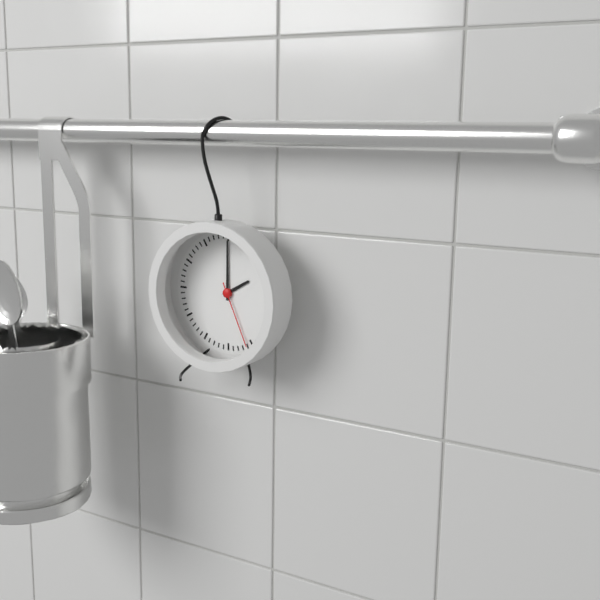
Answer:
2:00:26
